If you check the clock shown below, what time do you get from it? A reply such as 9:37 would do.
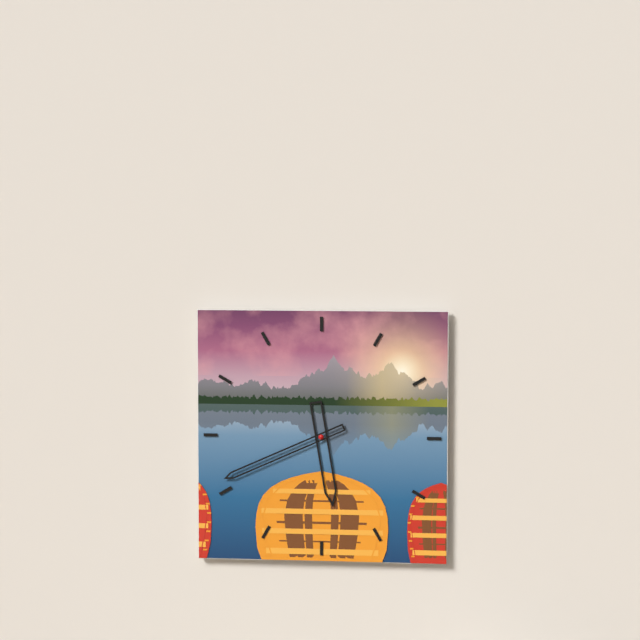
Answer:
5:41
